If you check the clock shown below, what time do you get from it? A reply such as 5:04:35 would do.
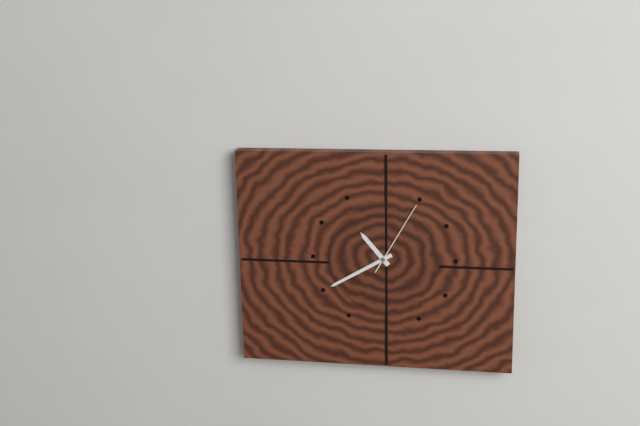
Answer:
10:40:05
